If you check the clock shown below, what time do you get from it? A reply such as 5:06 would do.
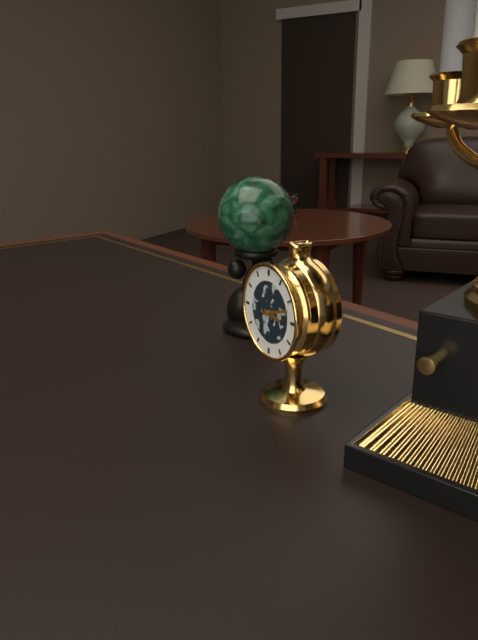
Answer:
3:12
